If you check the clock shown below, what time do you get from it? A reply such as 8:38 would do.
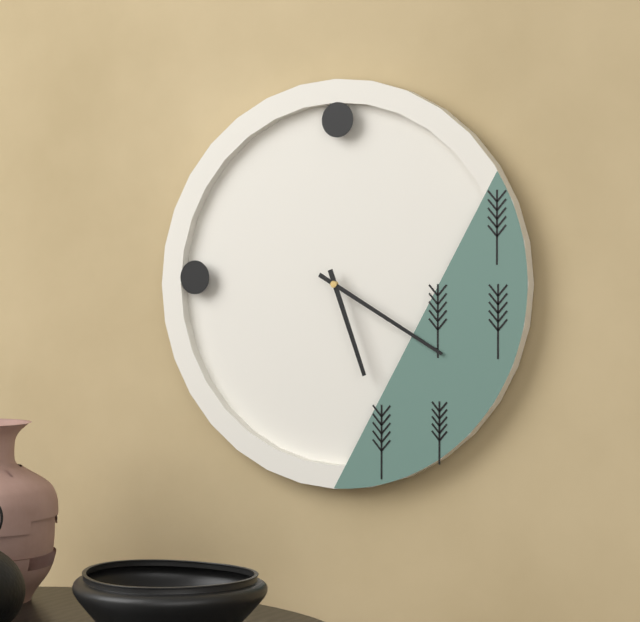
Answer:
5:20
